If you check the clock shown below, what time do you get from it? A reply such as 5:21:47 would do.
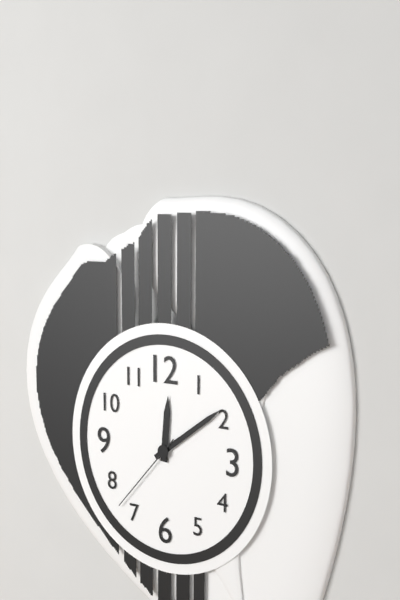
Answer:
12:09:37
